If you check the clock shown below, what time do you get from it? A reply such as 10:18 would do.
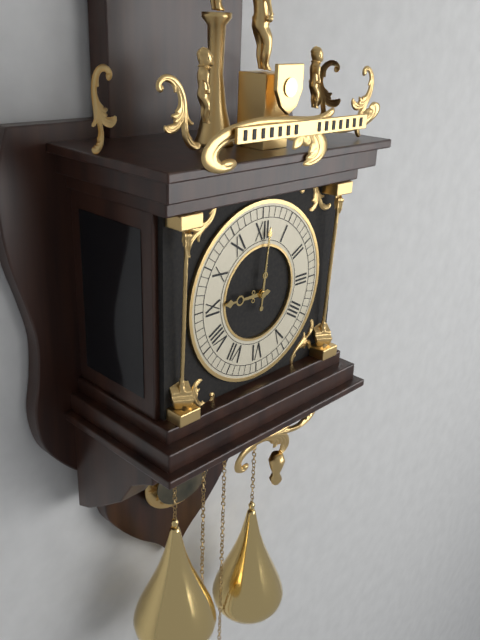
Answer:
9:01
